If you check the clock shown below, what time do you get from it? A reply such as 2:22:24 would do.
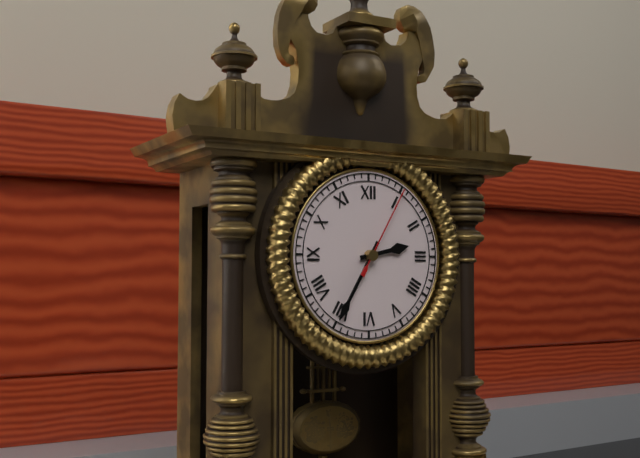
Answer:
2:35:05
